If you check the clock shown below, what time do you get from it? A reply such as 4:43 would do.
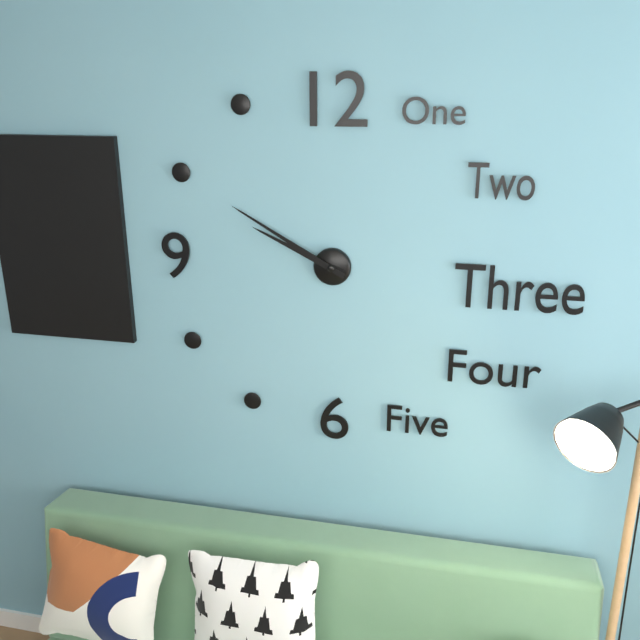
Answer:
9:50
